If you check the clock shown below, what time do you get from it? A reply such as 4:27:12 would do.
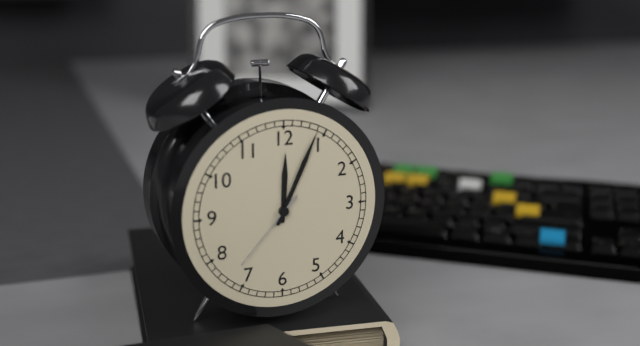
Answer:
12:04:37
